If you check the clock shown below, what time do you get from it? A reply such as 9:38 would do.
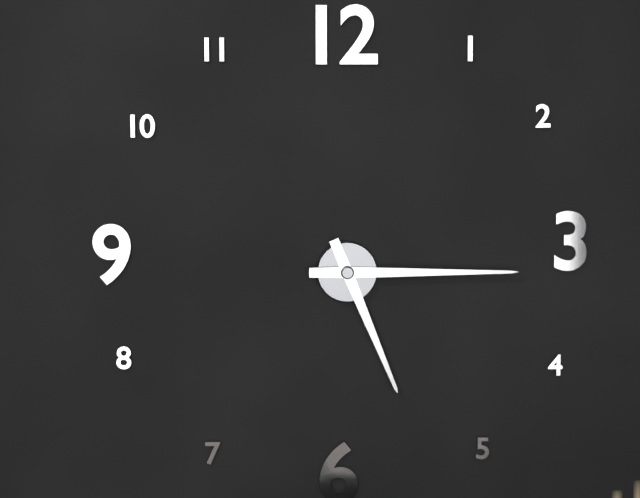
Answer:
5:15
